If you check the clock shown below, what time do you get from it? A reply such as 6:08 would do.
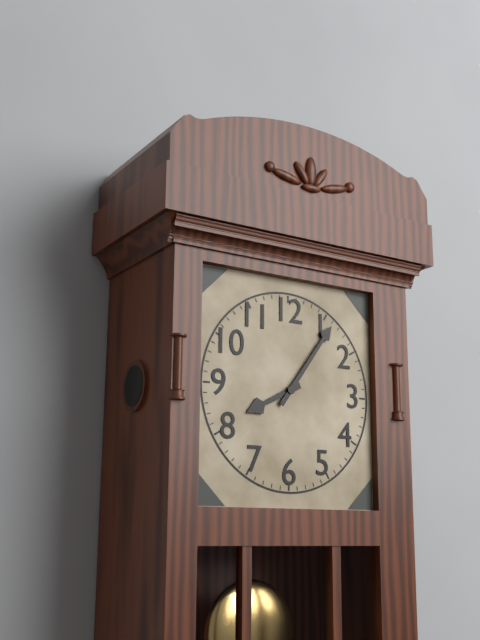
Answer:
8:06
